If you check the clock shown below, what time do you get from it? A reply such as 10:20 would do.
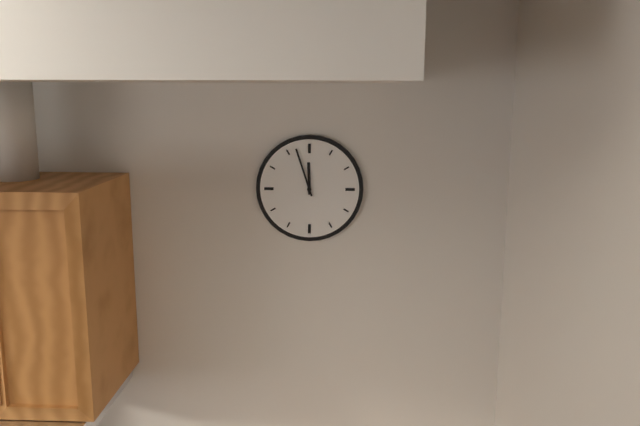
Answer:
11:57
